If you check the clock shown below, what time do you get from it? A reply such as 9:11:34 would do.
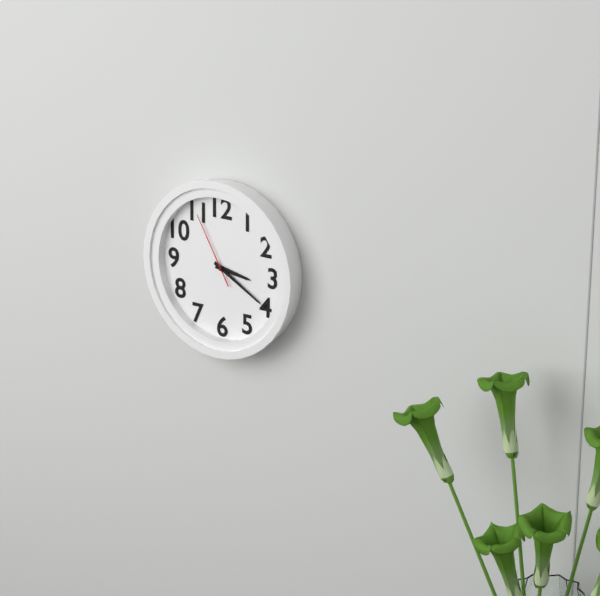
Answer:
3:20:55
